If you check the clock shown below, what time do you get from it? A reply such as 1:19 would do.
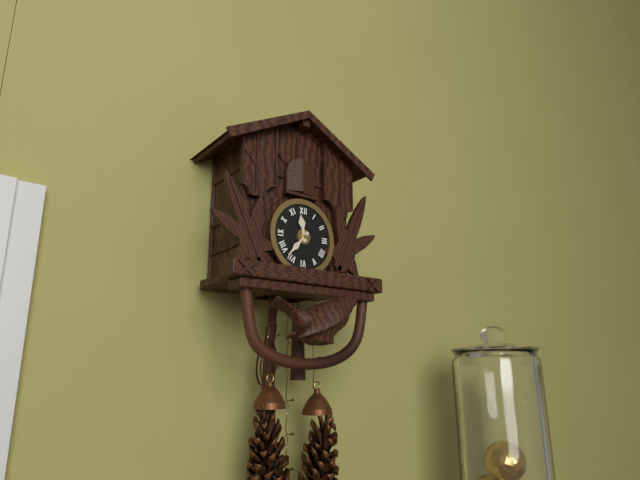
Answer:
11:37
